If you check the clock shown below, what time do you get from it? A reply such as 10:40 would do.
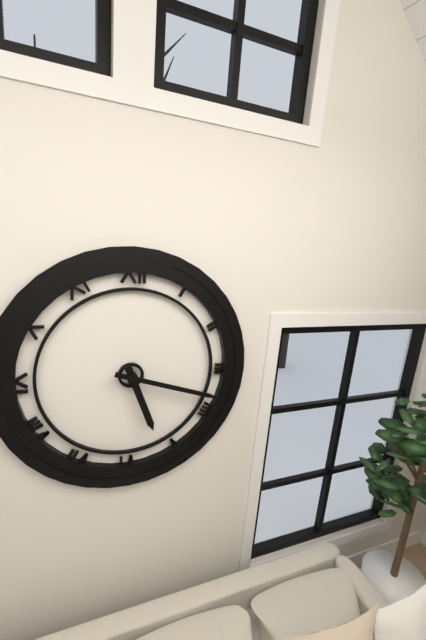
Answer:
5:18
